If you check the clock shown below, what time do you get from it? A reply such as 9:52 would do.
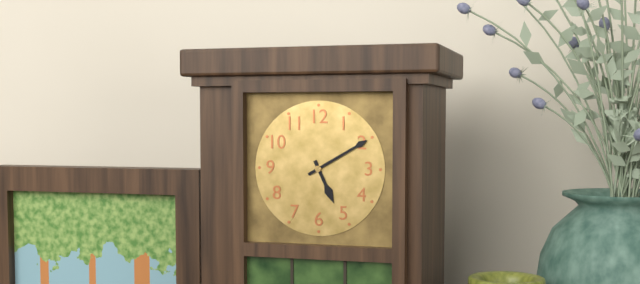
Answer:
5:10
